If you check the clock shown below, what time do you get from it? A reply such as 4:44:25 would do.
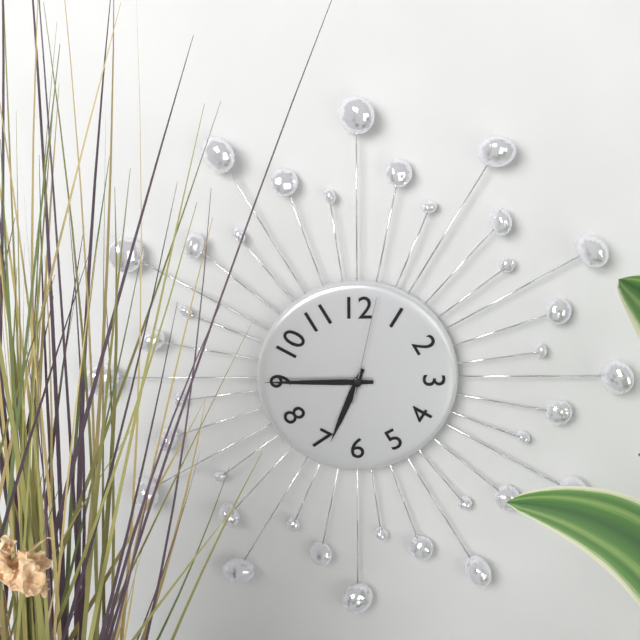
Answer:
6:45:02
